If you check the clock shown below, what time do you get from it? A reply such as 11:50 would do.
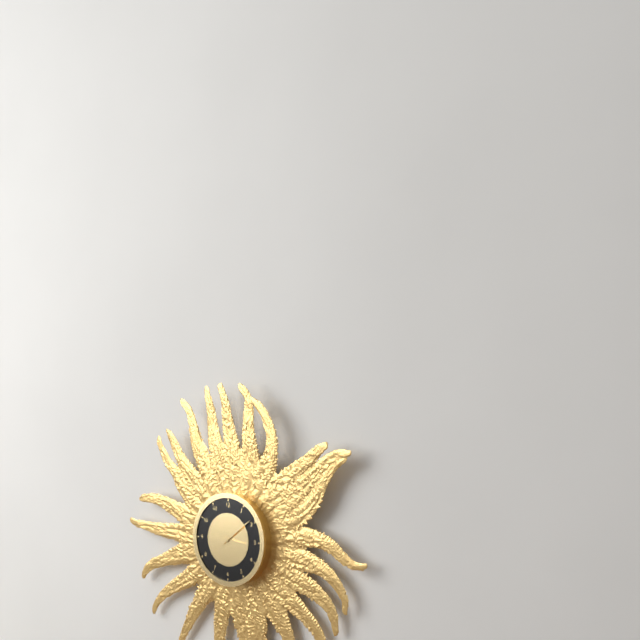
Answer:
3:09
